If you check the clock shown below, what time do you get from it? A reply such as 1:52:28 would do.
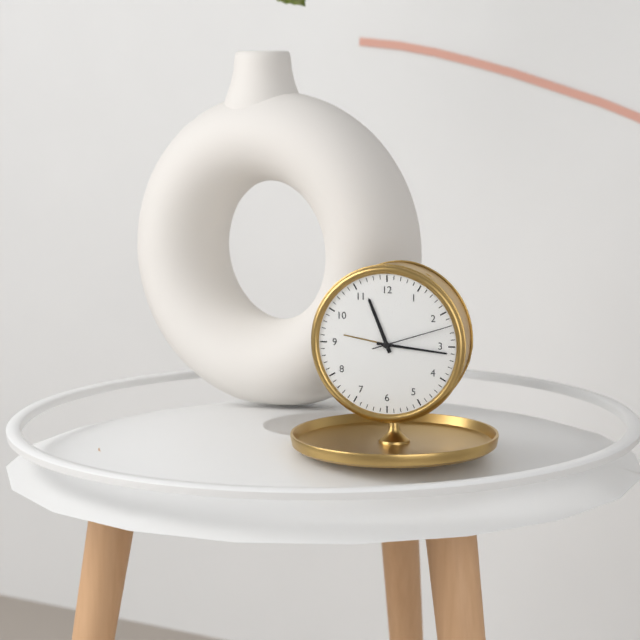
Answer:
11:16:12
